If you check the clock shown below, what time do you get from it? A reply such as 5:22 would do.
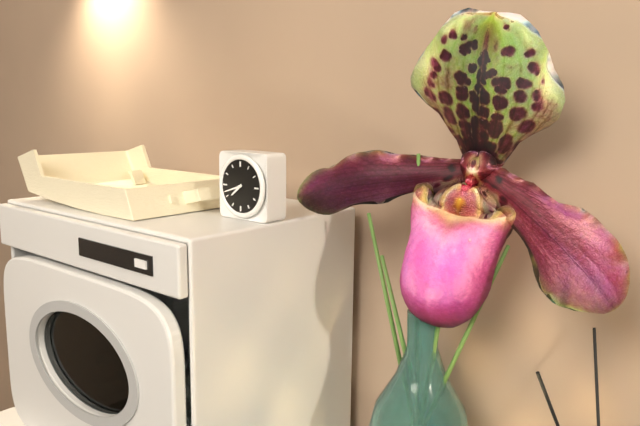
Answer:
7:42
